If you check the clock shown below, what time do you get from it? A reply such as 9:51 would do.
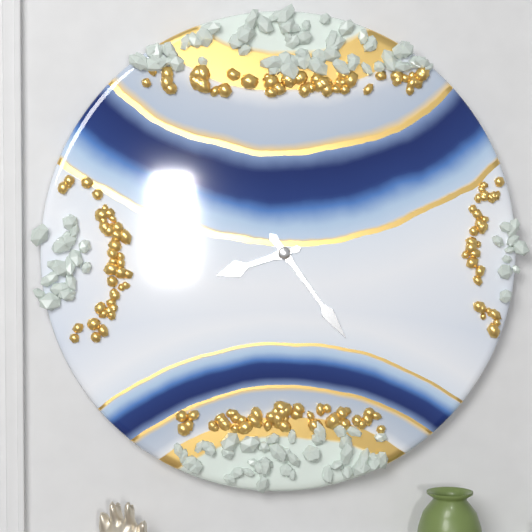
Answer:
8:24
